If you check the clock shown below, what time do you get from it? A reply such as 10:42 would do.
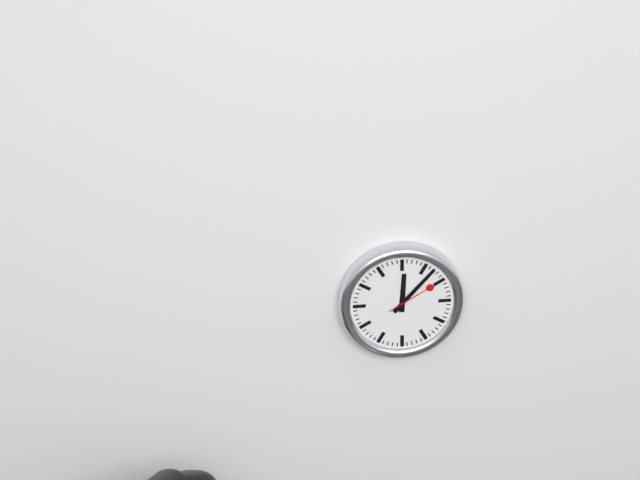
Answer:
12:07
